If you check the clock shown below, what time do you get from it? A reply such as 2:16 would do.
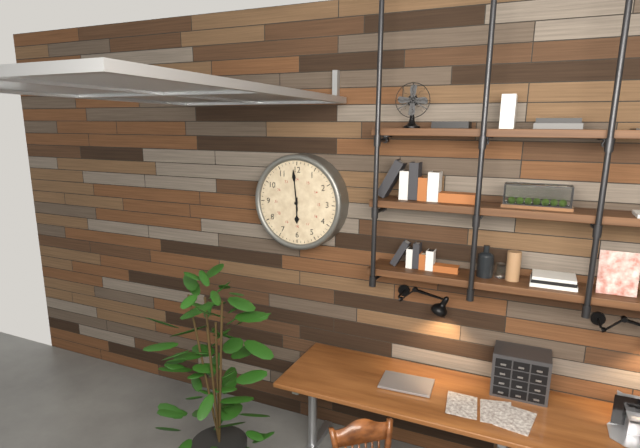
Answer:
5:59
